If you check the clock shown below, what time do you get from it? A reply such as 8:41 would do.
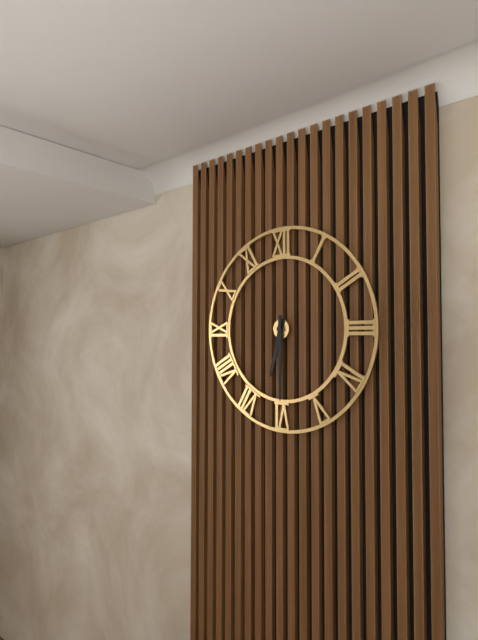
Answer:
6:30
